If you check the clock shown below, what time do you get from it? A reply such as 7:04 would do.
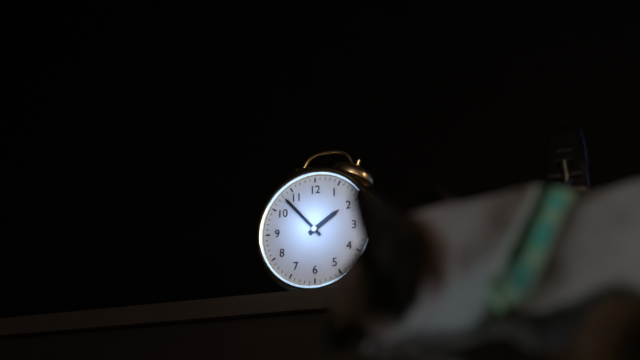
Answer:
1:53
